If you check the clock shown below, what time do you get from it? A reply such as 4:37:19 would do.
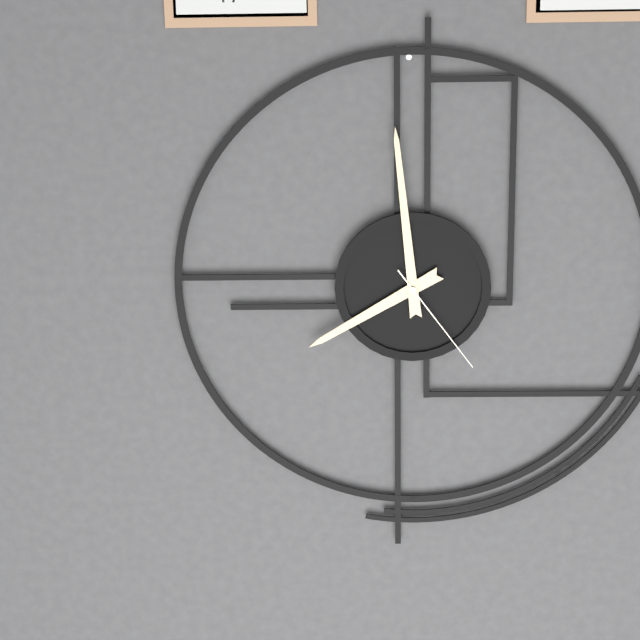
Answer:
7:59:24
